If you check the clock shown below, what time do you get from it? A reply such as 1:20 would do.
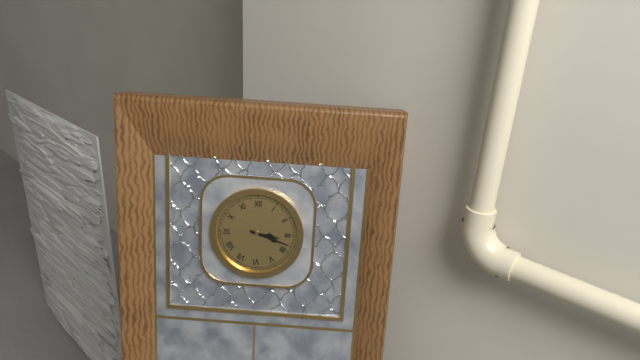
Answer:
3:18
